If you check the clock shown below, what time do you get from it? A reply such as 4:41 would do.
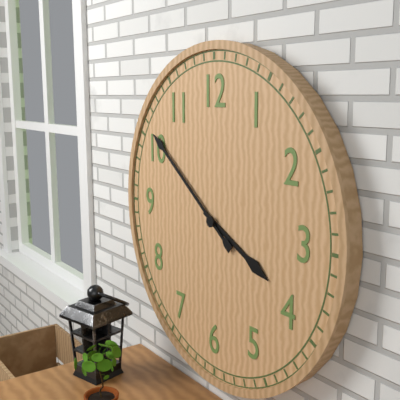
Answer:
3:51
